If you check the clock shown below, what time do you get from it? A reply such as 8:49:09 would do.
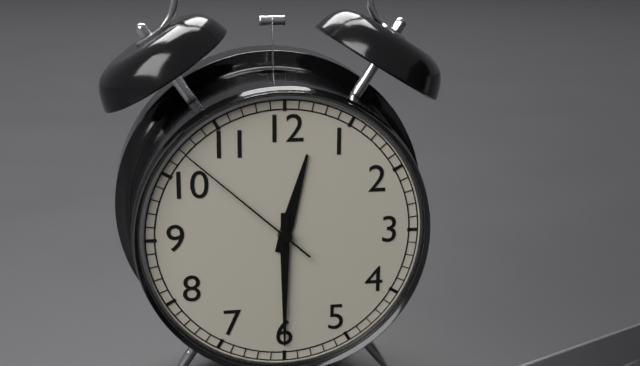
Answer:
12:30:52
